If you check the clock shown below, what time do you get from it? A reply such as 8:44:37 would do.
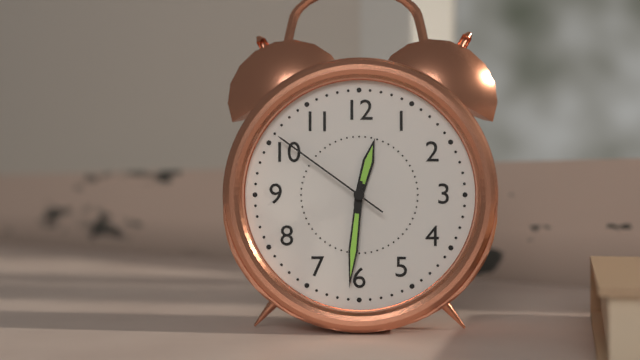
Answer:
12:31:51
